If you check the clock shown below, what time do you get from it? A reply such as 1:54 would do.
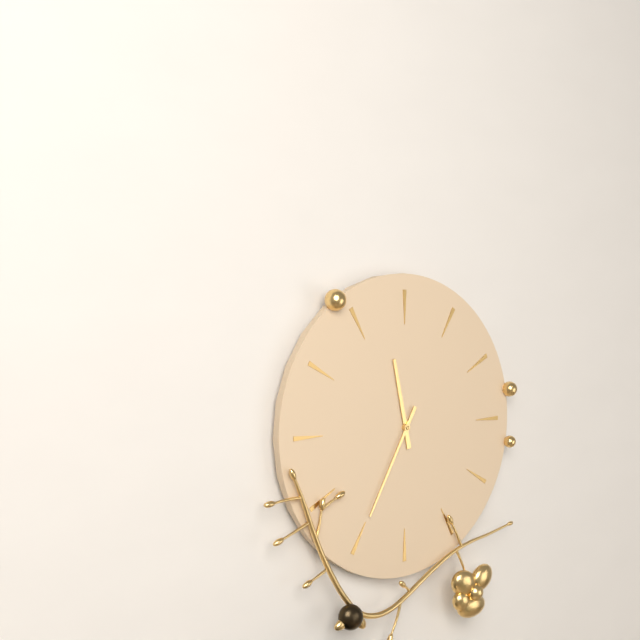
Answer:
11:35
